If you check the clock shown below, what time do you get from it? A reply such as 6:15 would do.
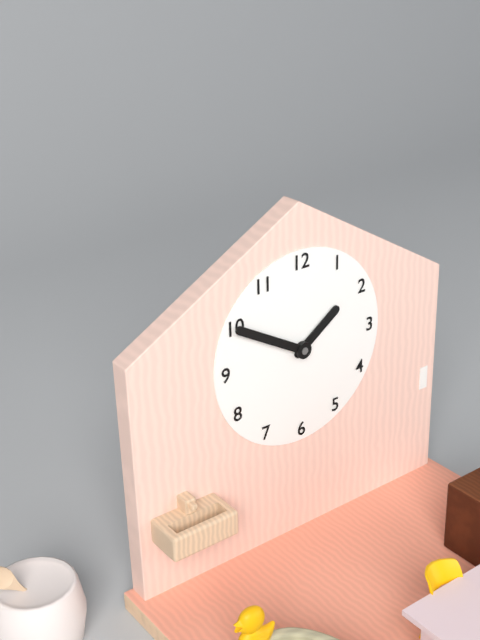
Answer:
1:50
